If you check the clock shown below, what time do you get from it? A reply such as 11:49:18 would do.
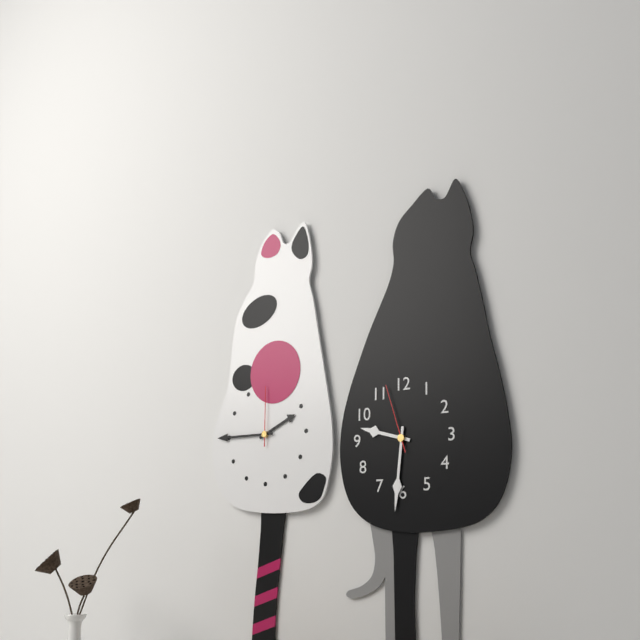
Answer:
9:31:57
